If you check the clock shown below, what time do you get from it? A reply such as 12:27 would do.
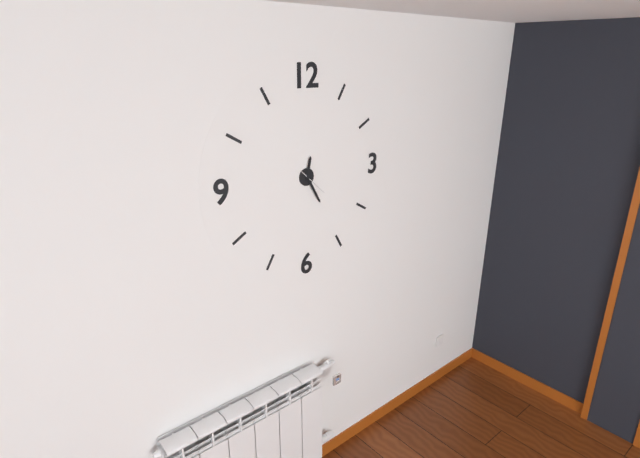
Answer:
12:25
